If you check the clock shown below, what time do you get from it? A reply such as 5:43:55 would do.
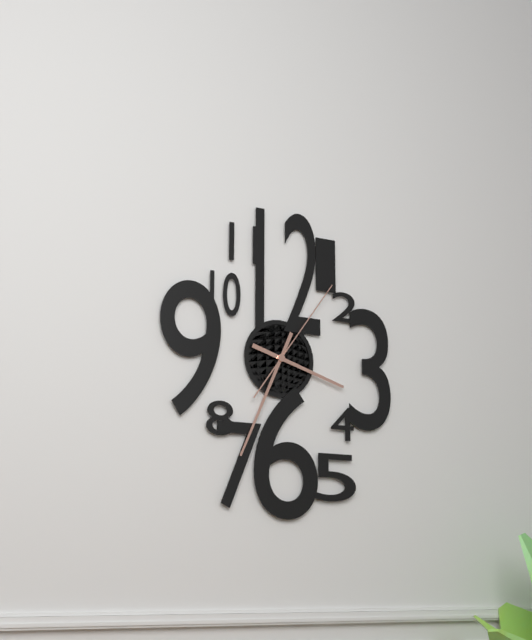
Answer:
3:34:06
